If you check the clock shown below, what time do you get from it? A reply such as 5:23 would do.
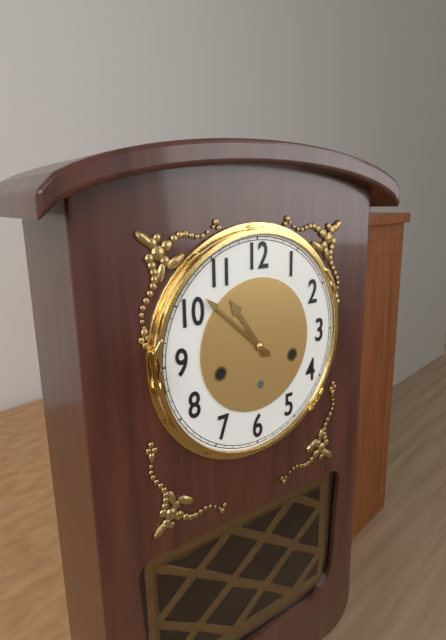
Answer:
10:52
